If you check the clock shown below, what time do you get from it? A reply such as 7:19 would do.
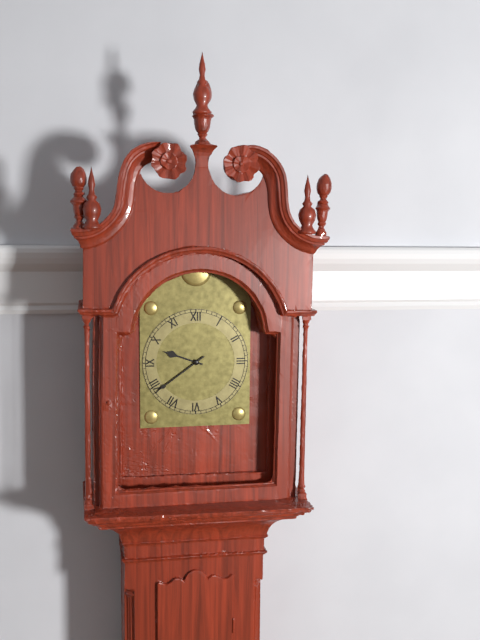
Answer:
9:39
